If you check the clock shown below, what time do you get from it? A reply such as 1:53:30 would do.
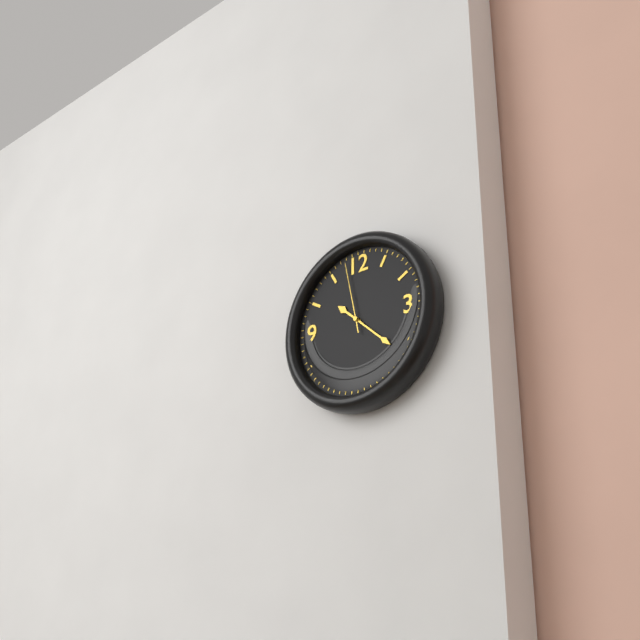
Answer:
10:22:58
